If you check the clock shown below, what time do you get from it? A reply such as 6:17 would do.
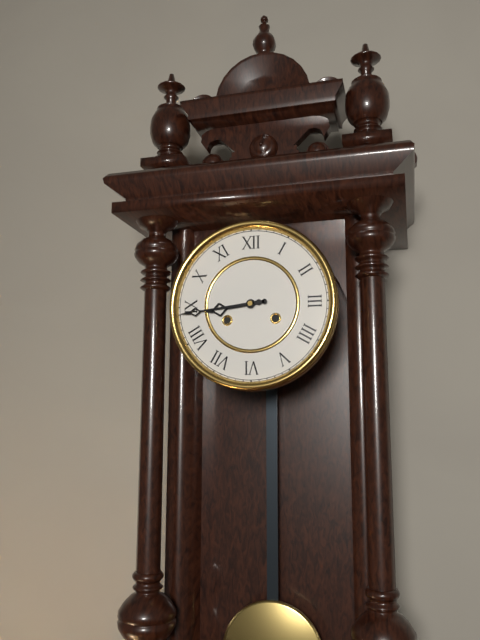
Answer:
8:44
